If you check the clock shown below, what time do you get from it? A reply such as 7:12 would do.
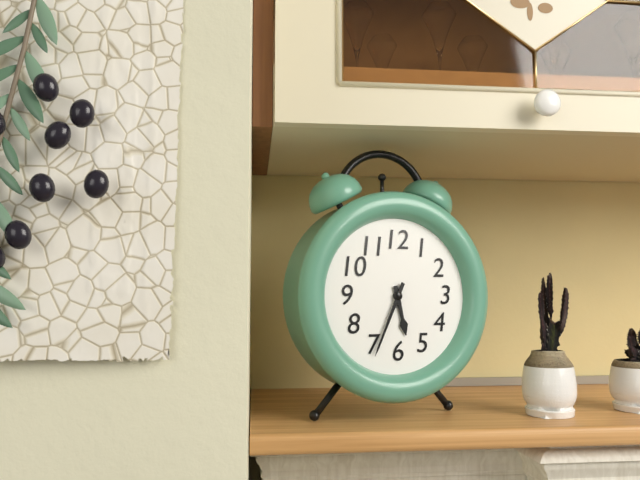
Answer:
5:34
